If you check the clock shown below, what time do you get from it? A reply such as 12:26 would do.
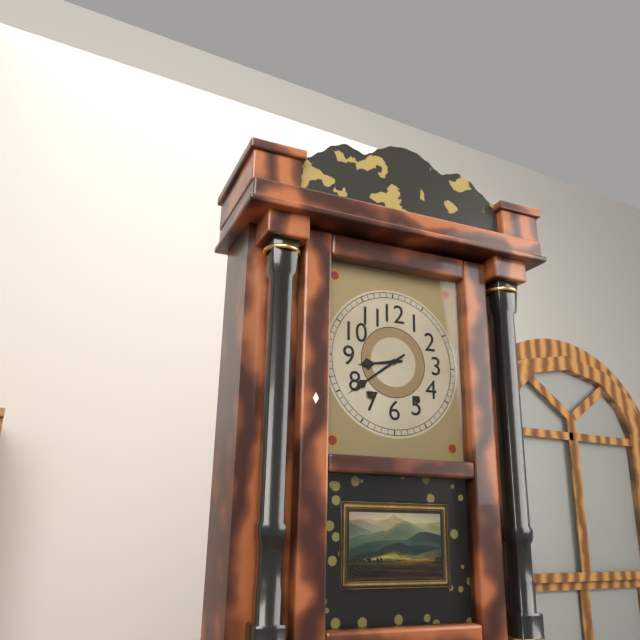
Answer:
8:39
